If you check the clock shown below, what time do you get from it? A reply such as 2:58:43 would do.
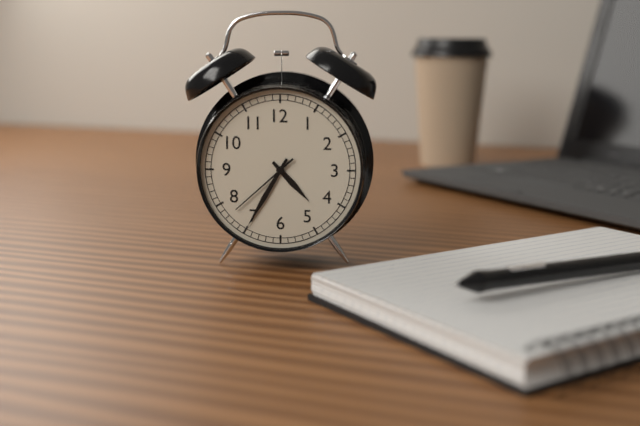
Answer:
4:35:38
